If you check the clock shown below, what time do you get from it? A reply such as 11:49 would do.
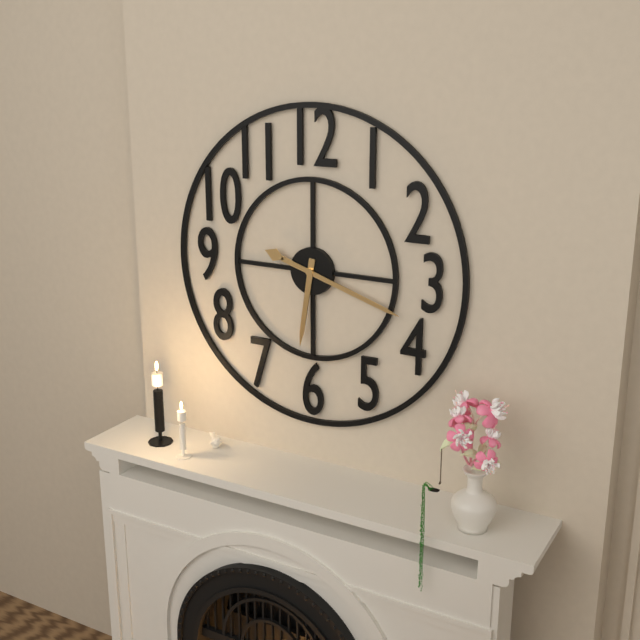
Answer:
6:18
